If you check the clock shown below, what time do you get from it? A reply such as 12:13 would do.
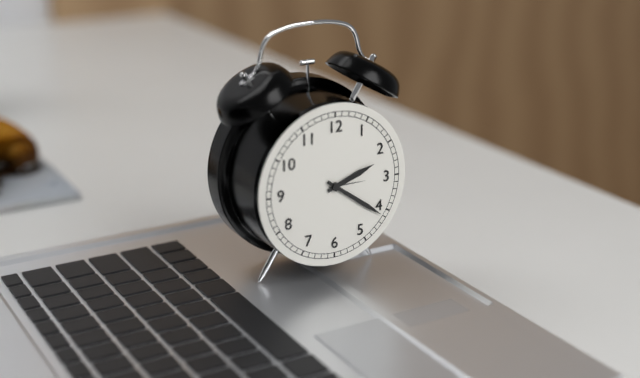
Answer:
2:21
